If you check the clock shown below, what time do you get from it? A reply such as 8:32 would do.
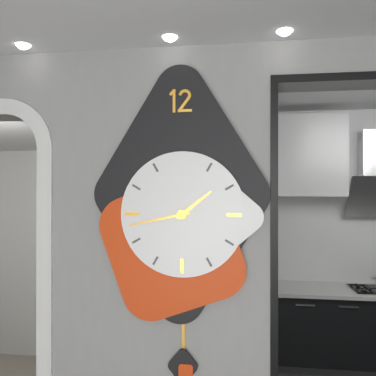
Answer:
1:43
